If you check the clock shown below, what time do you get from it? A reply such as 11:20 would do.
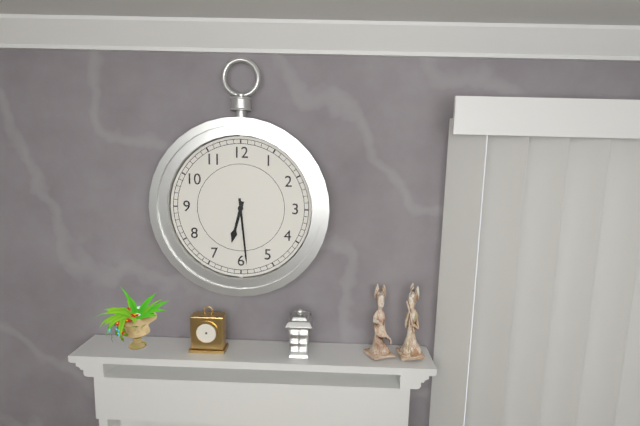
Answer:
6:29
